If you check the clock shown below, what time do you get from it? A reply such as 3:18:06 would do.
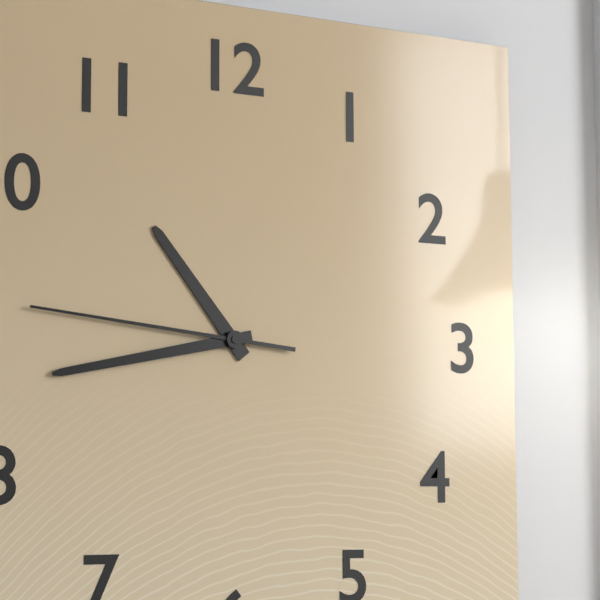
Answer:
10:43:46
